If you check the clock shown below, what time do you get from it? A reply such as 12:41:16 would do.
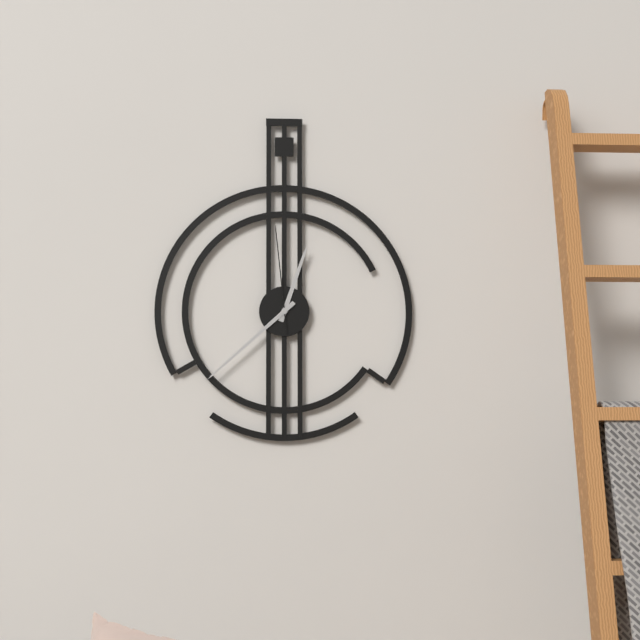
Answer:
12:38:59
